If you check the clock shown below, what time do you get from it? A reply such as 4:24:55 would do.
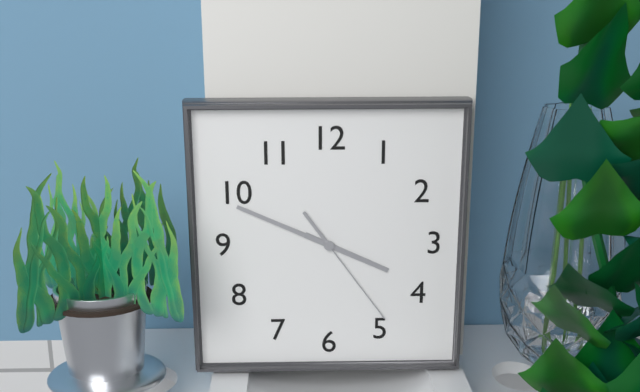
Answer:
3:49:24
